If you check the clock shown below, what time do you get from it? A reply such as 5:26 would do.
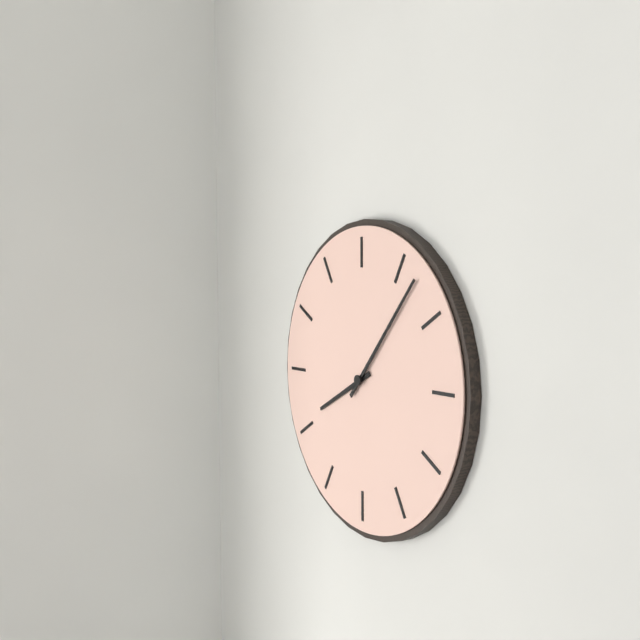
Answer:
8:07
